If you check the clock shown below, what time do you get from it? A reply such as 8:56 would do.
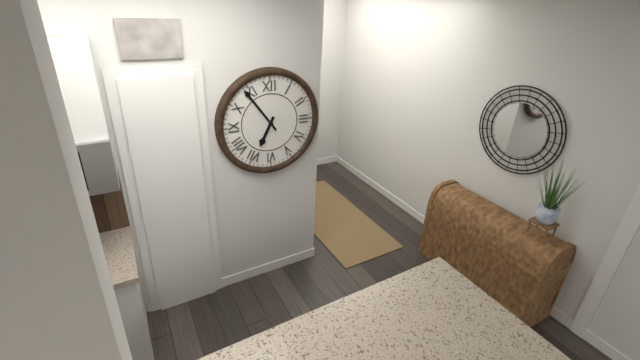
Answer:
6:54
